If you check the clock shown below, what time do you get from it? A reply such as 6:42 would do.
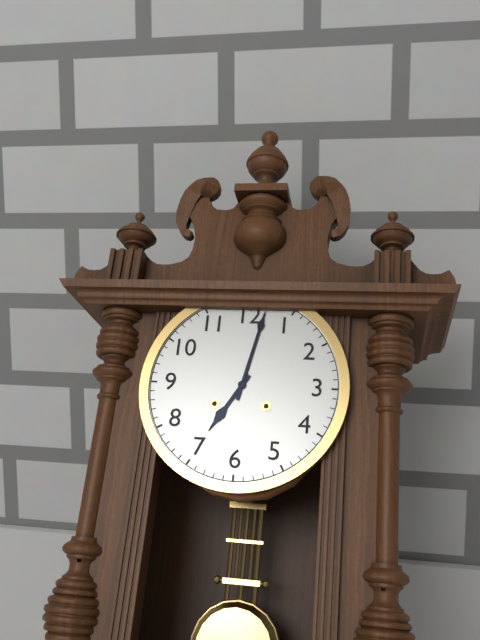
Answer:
7:02
